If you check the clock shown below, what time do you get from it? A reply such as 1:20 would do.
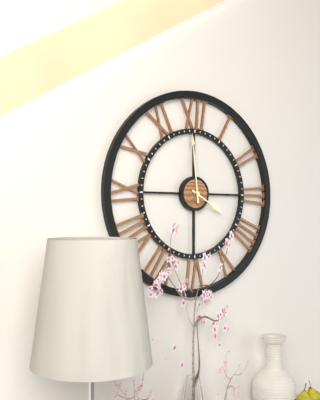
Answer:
3:59
